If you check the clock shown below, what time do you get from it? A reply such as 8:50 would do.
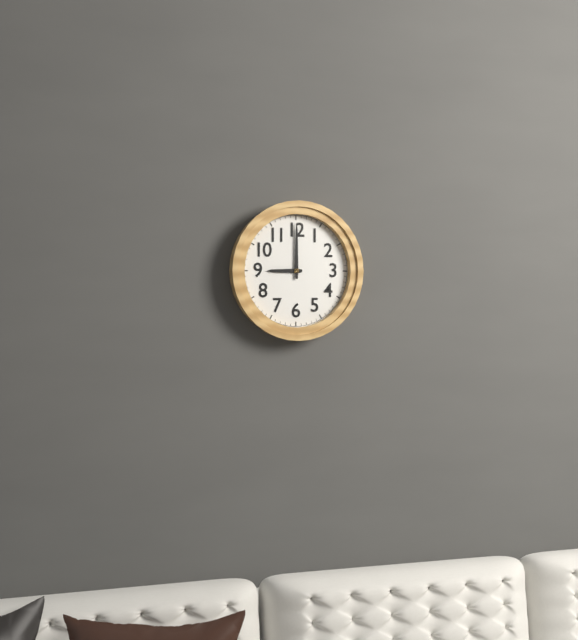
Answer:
9:00
